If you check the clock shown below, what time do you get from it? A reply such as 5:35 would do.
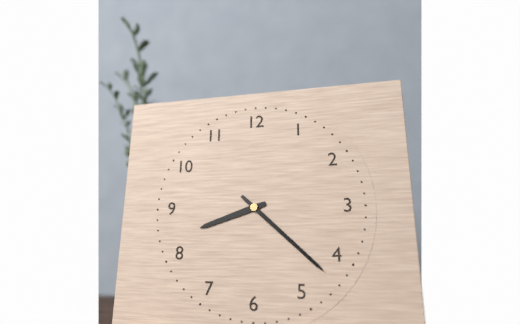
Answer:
8:22
